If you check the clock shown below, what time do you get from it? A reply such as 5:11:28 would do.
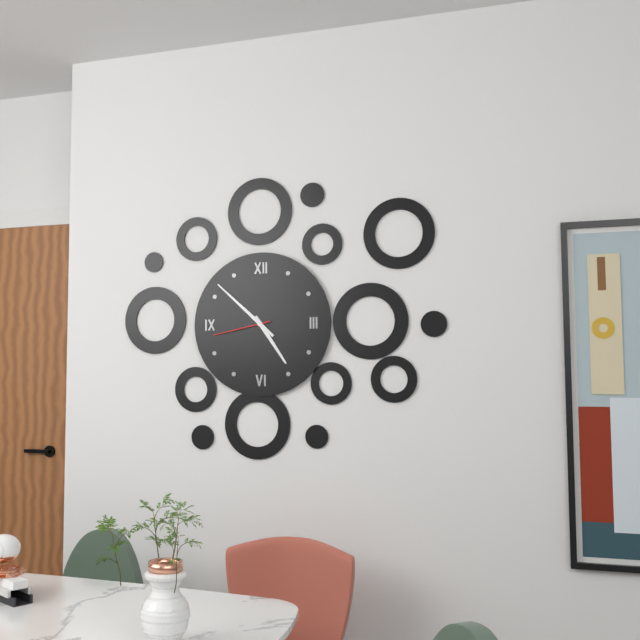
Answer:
4:52:43
